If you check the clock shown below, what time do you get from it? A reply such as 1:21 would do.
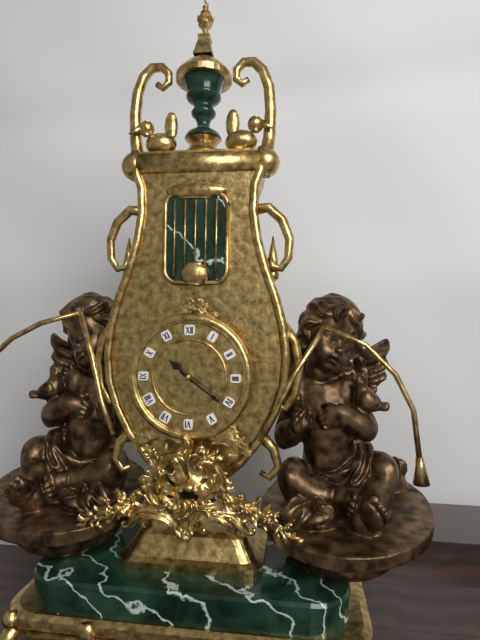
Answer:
10:21
